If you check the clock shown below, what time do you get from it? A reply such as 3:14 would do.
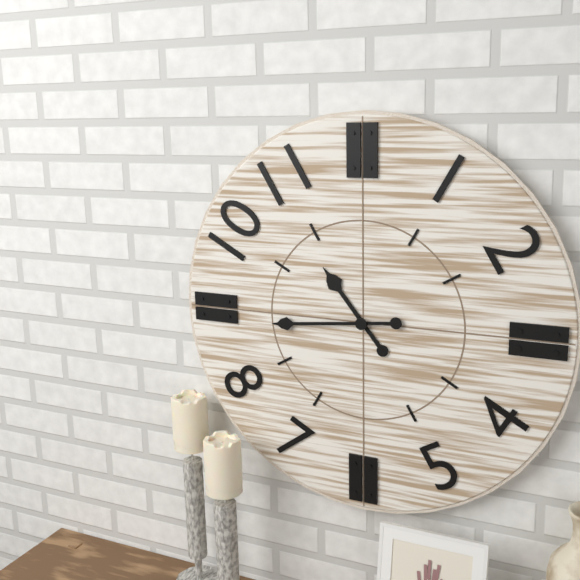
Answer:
10:44
